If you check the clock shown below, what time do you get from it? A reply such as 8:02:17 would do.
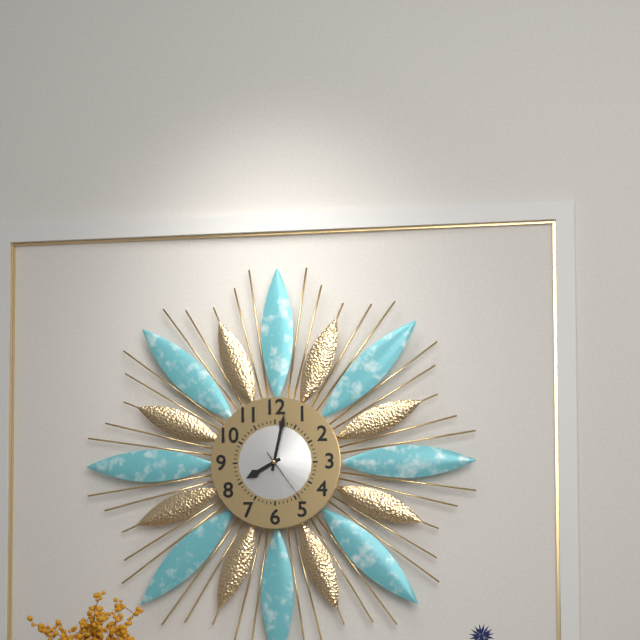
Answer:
8:02:24
